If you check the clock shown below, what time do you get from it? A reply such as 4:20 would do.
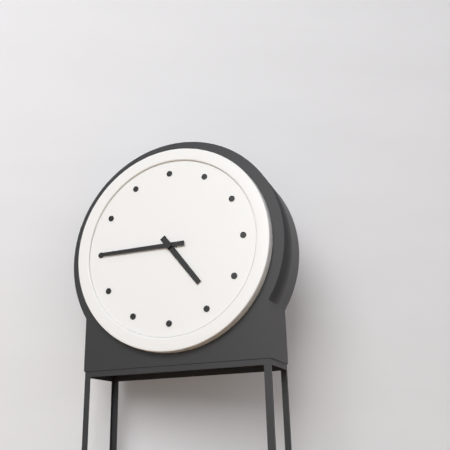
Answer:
4:45
